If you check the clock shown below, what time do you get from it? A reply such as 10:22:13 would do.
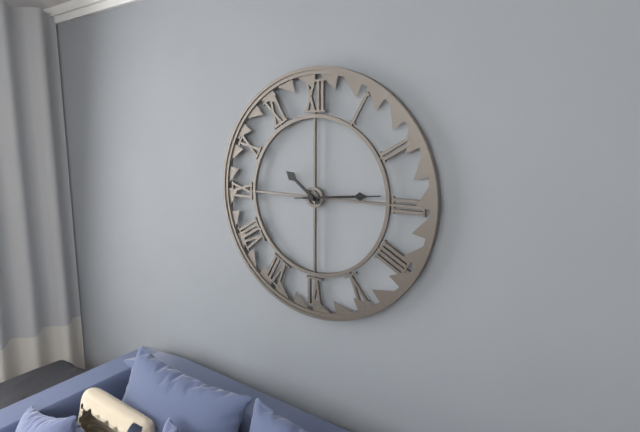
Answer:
10:14:14
